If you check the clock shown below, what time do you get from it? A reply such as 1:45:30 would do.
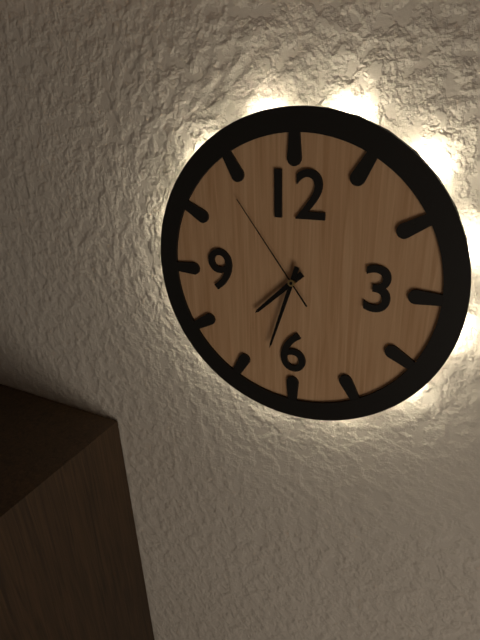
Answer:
7:33:54
